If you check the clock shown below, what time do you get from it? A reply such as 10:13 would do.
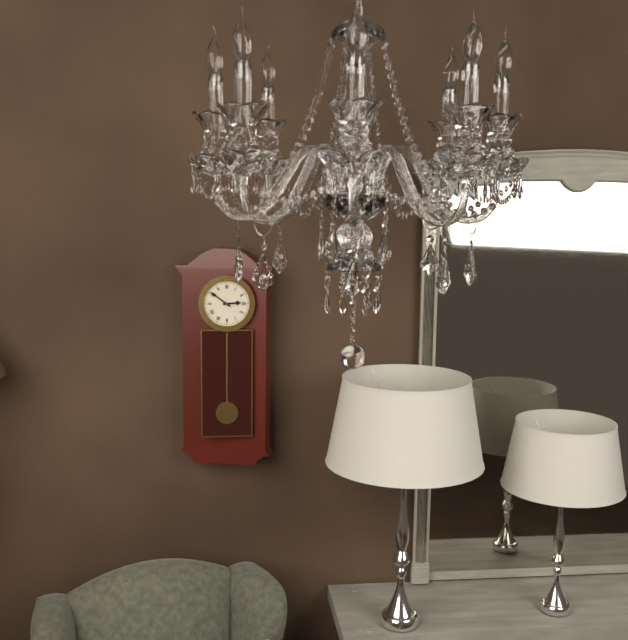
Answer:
2:51
